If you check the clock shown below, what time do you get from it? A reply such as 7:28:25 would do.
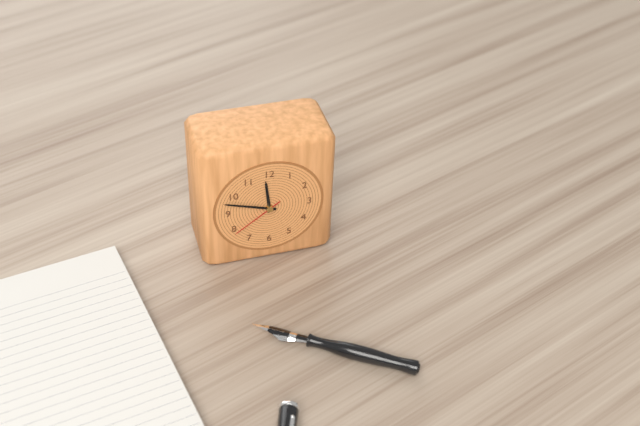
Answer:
11:48:39
